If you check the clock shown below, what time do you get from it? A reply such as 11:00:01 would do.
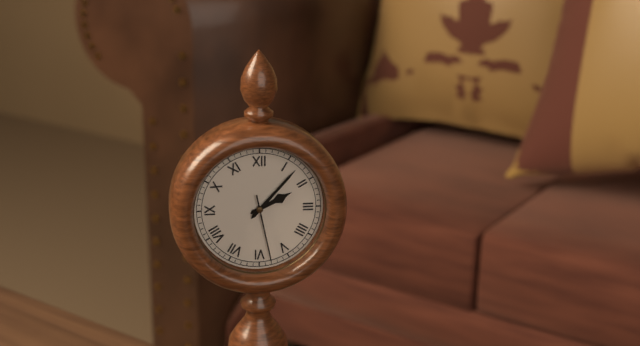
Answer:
2:07:28
